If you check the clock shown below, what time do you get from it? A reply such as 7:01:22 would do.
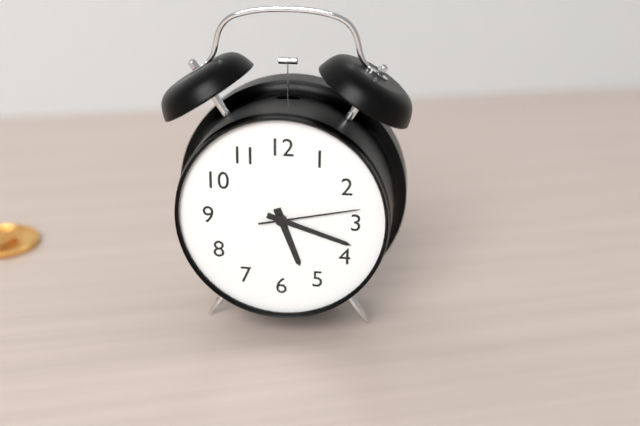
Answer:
5:18:13
